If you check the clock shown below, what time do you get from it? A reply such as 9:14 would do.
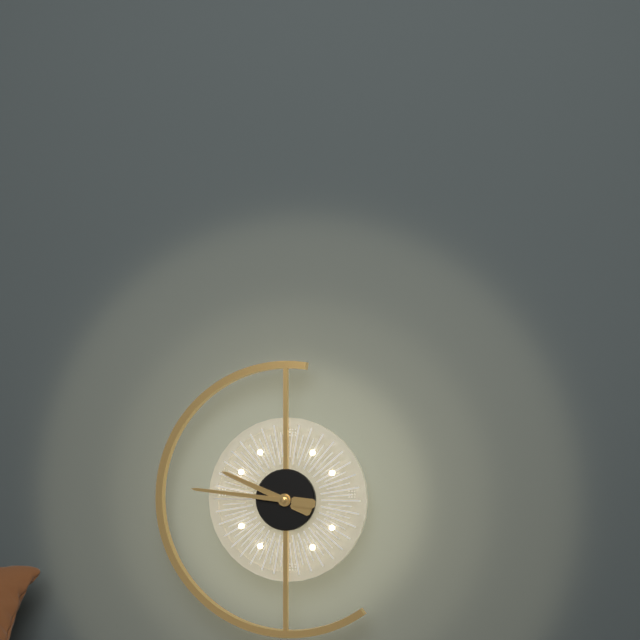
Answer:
9:46
